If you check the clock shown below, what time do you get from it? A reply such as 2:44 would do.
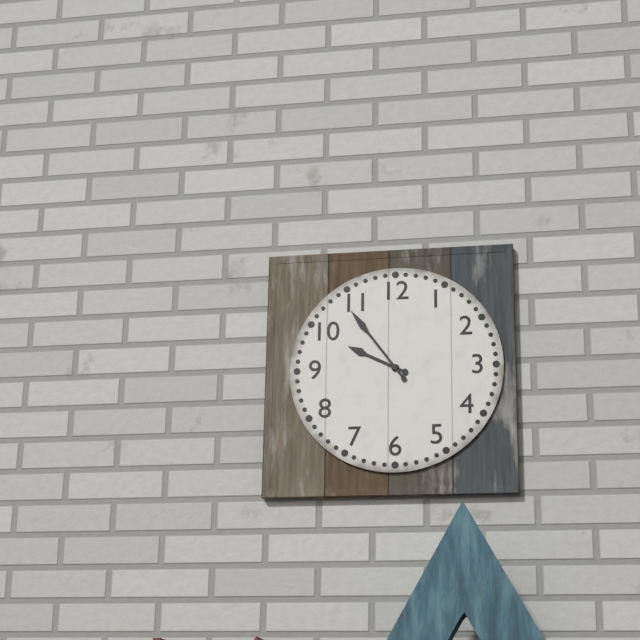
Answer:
9:54
